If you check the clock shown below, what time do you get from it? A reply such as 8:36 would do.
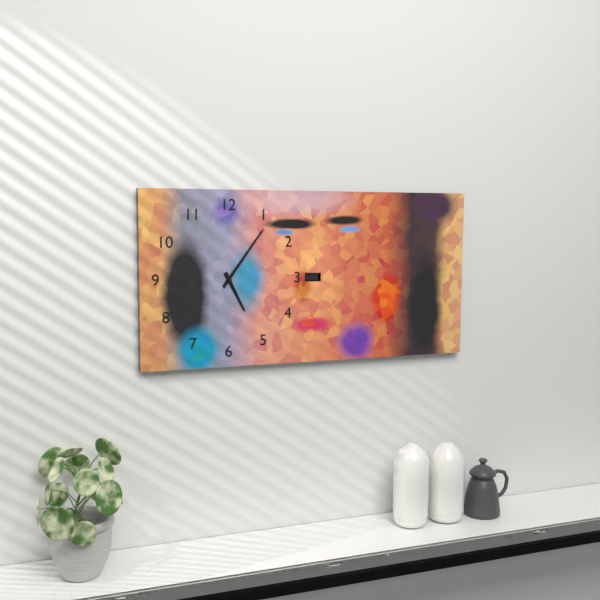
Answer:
5:06
